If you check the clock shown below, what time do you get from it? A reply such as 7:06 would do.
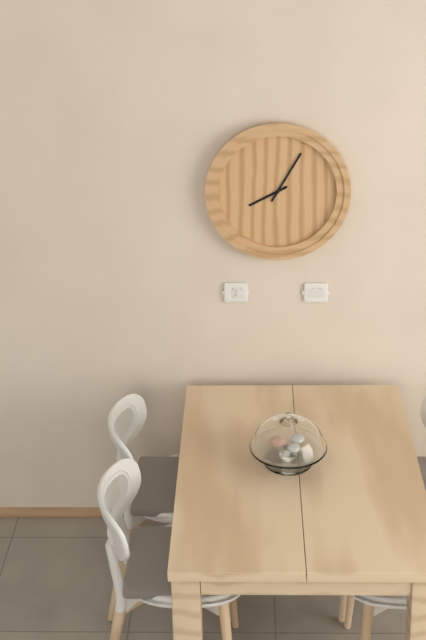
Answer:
8:05
